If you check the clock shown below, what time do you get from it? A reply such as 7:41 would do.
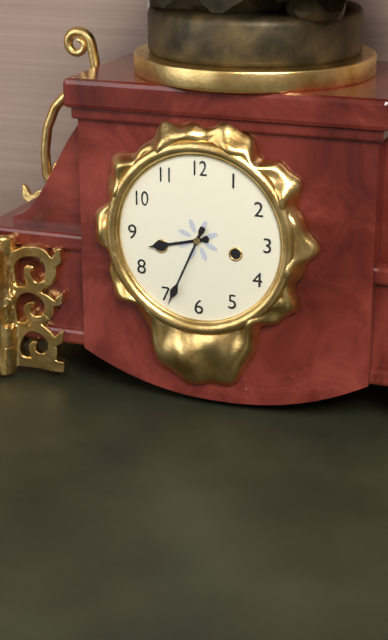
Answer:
8:34
